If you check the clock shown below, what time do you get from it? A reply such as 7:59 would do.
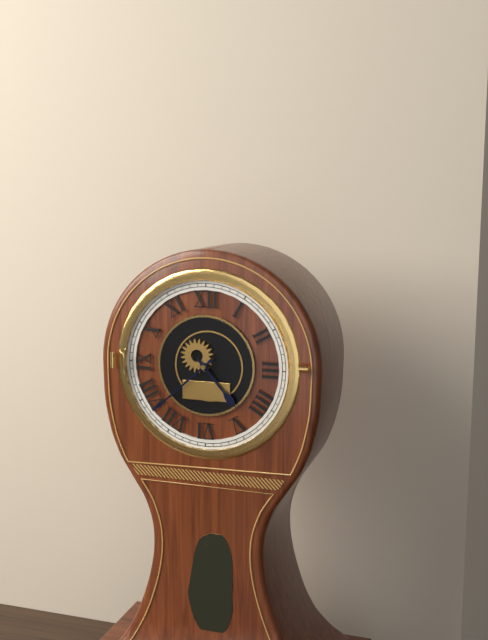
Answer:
4:38
